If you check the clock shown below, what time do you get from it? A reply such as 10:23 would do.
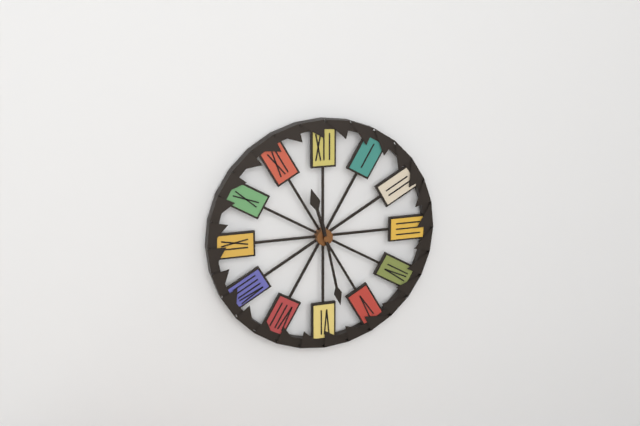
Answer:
11:28
